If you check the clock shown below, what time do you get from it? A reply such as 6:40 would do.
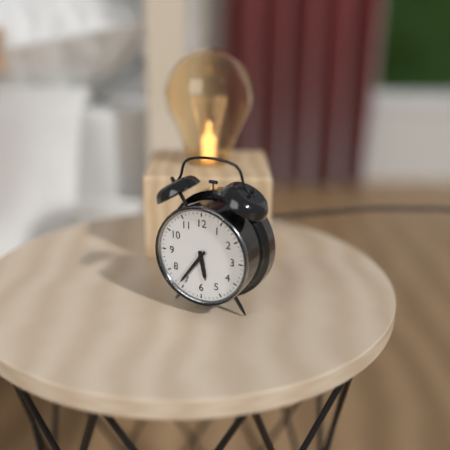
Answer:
5:36
